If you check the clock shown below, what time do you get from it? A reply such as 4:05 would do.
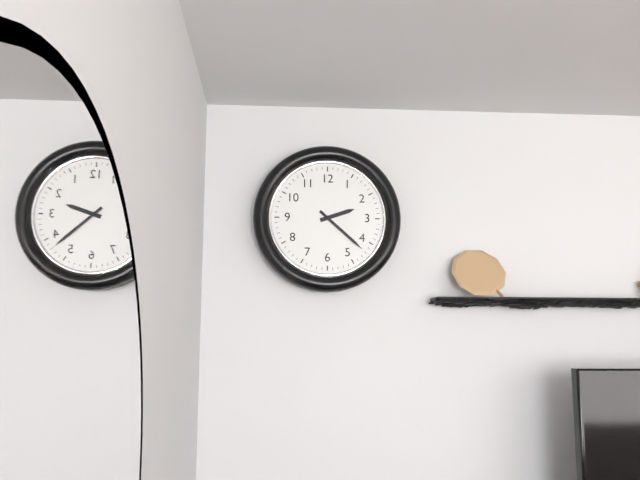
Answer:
2:22
